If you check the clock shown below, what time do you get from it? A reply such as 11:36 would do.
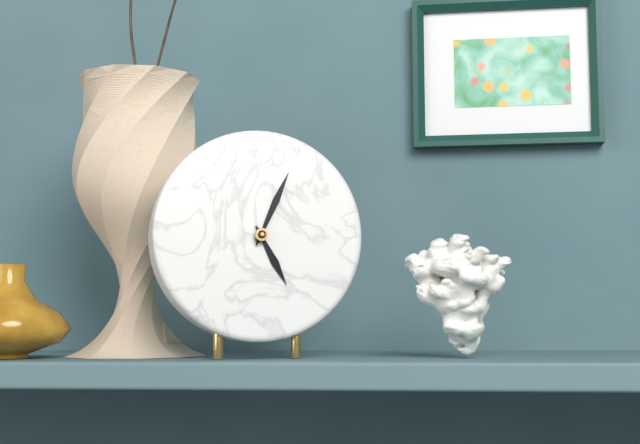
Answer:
5:04
